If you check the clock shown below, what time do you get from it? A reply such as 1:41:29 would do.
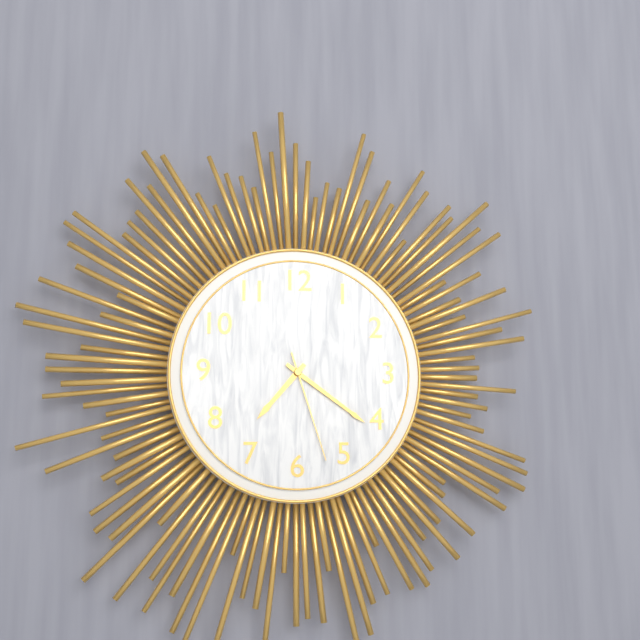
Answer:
7:21:27
